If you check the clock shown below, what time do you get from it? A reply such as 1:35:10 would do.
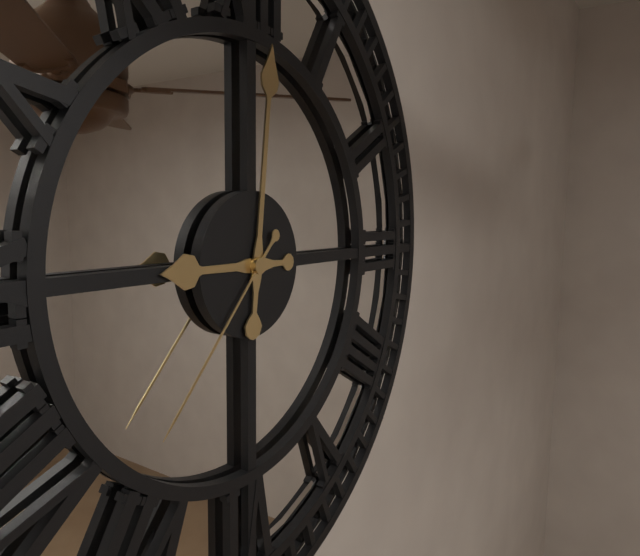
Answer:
9:01:37
